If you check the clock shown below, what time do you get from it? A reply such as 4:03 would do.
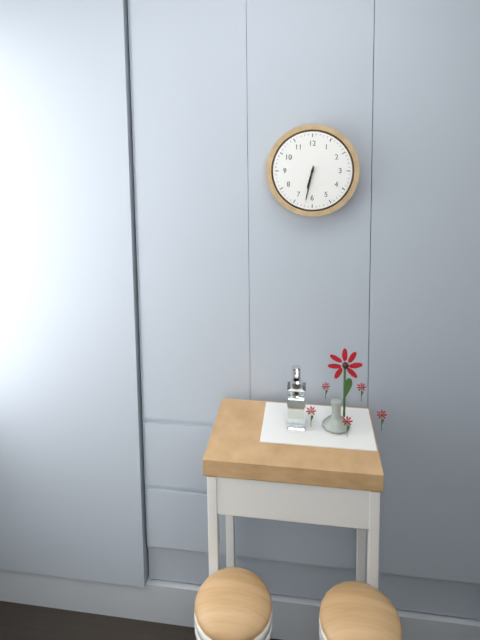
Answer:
6:32
